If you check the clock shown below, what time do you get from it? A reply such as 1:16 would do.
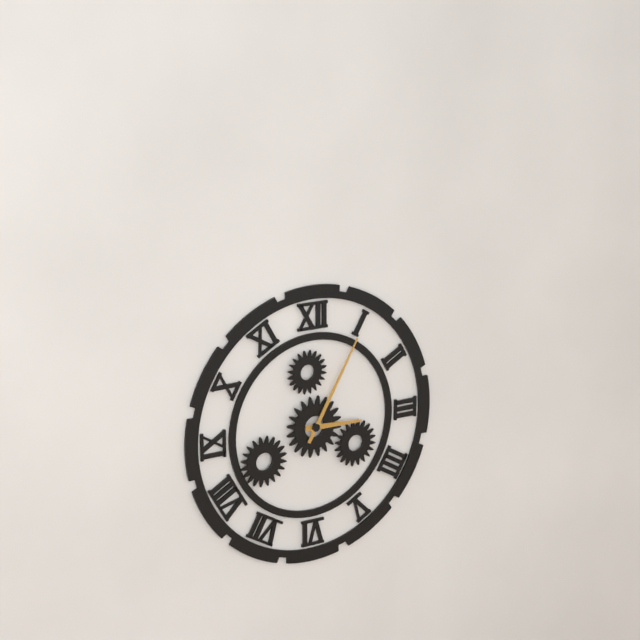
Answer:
3:05
